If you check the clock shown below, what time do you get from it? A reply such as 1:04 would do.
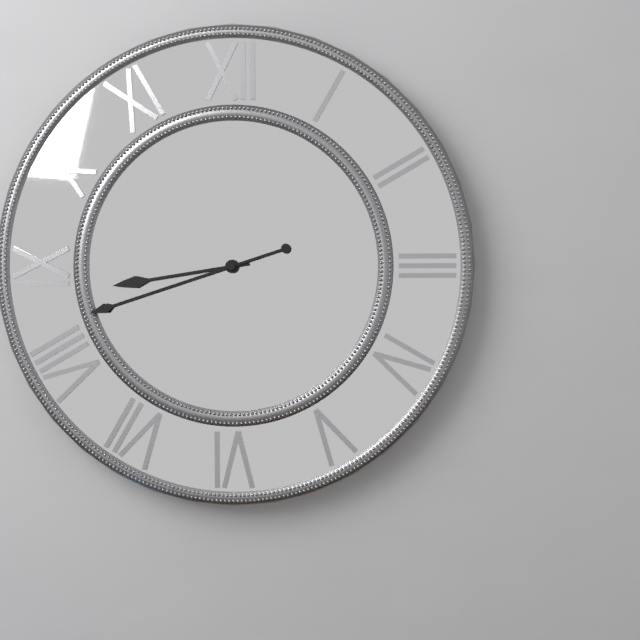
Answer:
8:42
